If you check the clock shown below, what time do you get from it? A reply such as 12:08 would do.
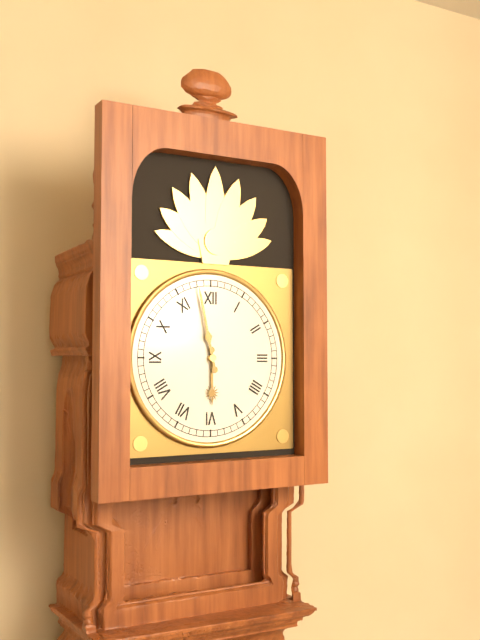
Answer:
5:58
